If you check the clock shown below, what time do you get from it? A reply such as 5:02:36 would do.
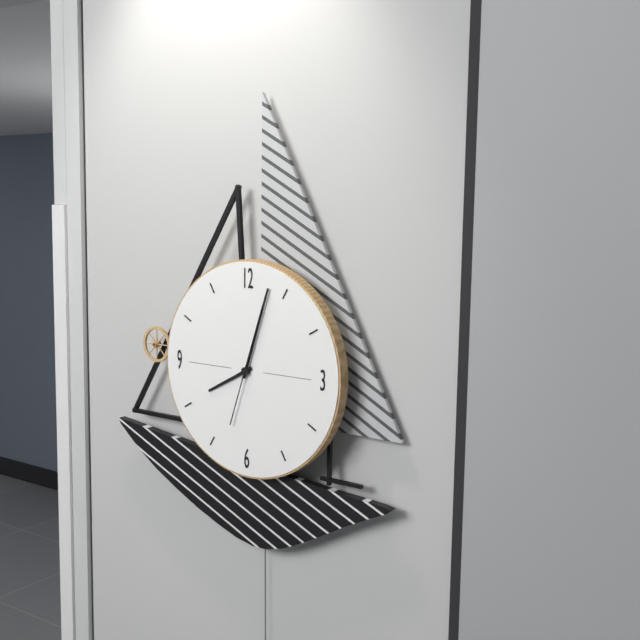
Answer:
8:03:03
